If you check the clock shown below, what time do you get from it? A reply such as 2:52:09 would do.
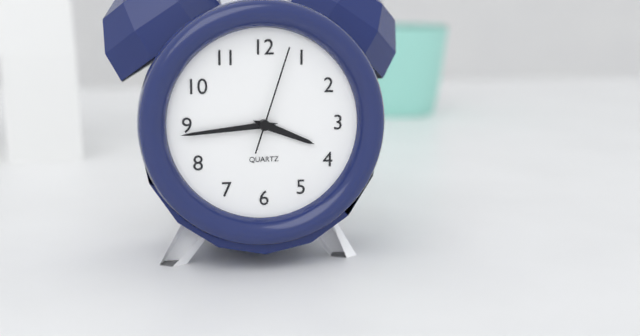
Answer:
3:44:03
